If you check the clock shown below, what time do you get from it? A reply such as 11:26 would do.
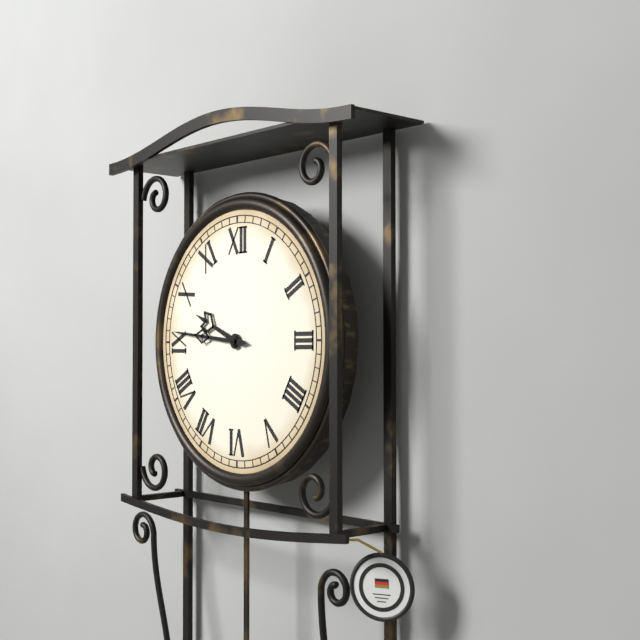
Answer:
9:46
